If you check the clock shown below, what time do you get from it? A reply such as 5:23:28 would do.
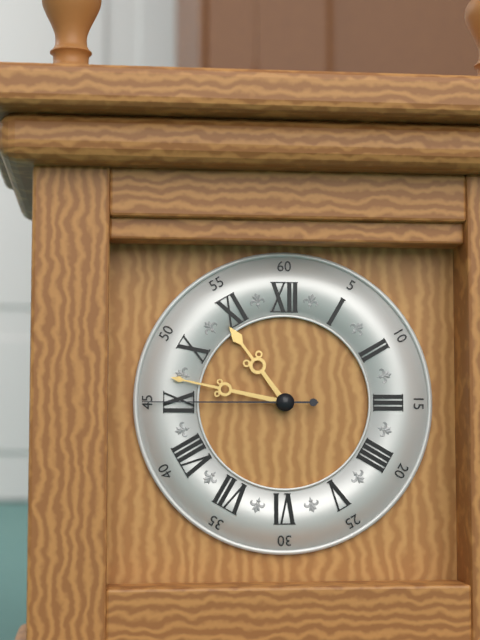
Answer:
10:47:45
